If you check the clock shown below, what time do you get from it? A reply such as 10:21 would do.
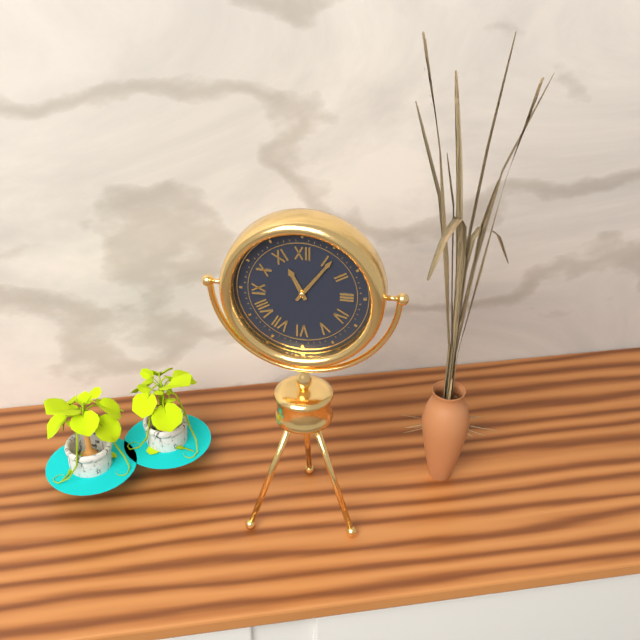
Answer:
11:06
